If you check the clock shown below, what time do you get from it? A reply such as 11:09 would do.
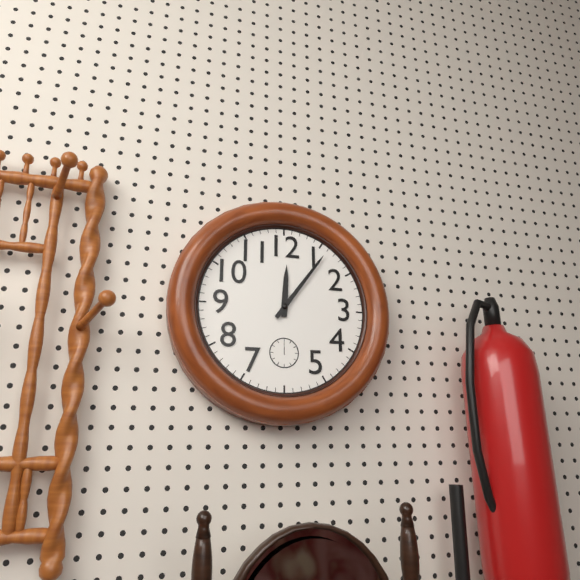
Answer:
12:06
